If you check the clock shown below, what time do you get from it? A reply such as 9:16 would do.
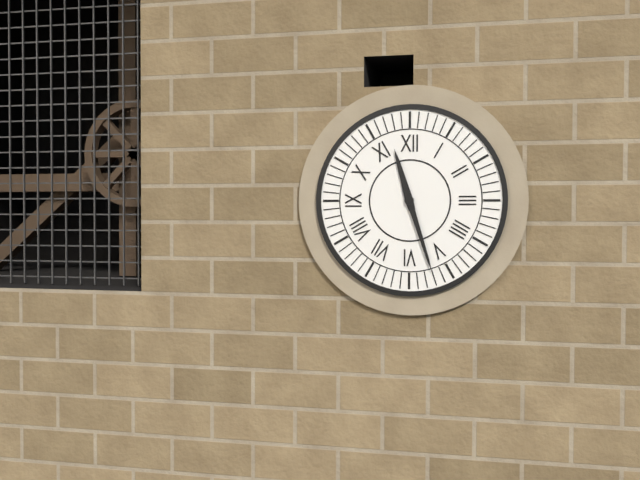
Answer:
11:27
